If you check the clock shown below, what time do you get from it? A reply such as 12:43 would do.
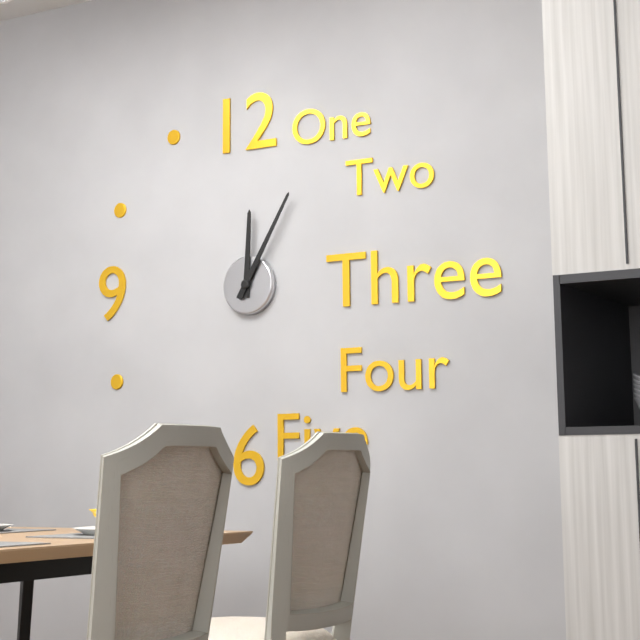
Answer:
12:05
